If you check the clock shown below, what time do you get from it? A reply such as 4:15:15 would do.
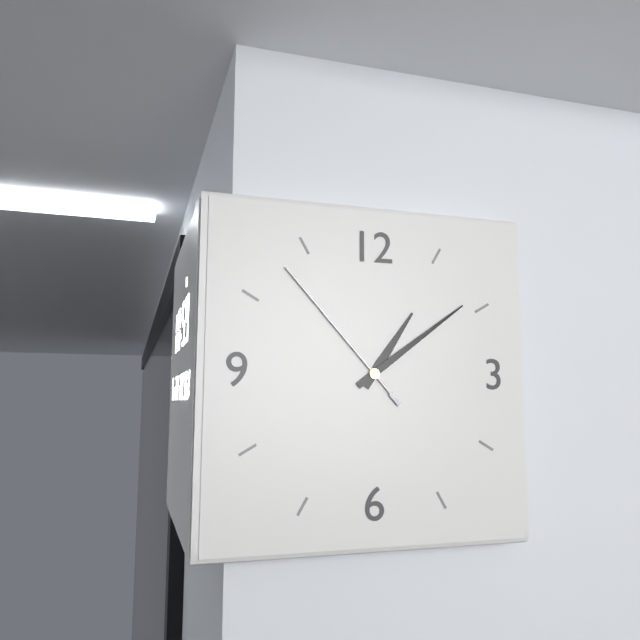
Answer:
1:09:53
